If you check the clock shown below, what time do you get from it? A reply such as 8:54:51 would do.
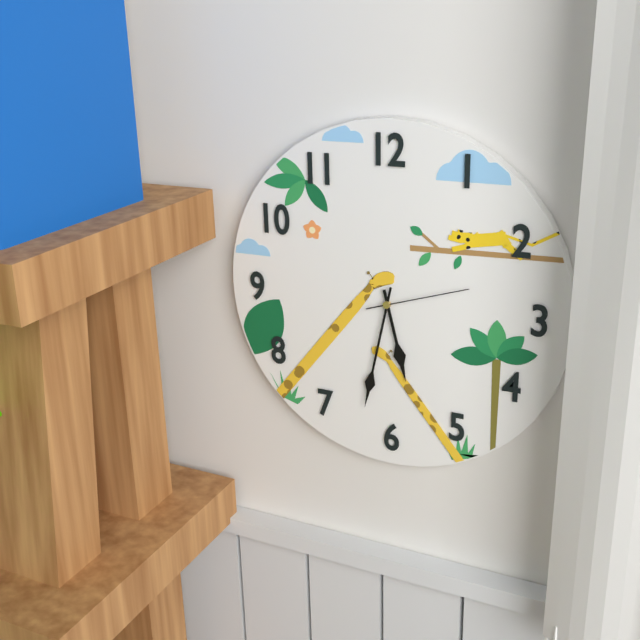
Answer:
5:32:12
